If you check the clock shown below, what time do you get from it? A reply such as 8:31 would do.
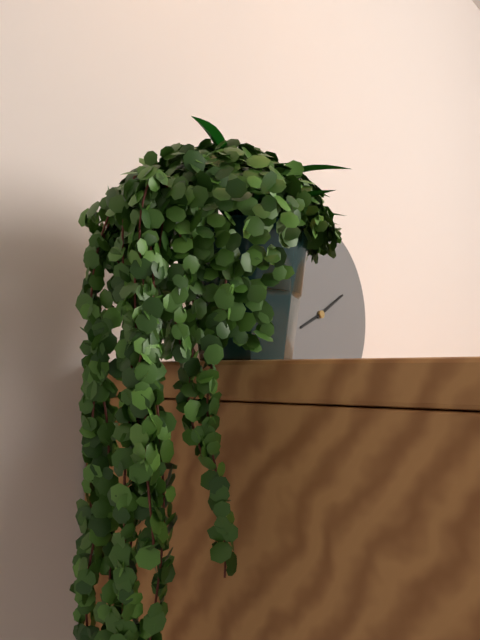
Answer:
8:10
